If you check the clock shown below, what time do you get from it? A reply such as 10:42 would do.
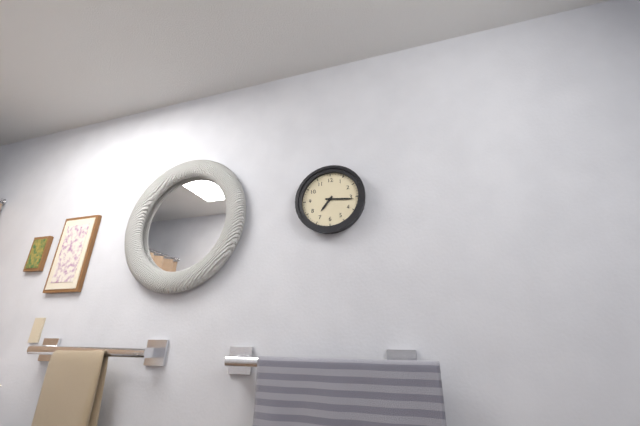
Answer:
7:16
